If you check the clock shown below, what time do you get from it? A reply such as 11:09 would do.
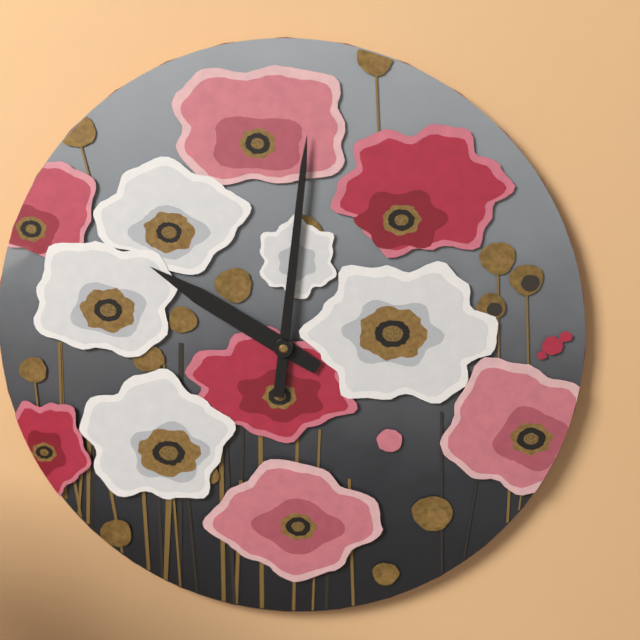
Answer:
10:01
